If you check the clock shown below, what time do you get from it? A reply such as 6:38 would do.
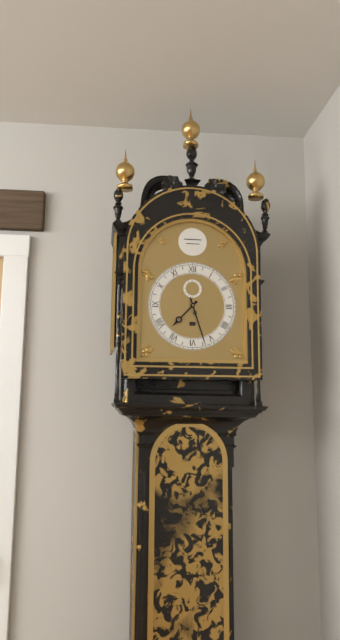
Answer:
7:27
